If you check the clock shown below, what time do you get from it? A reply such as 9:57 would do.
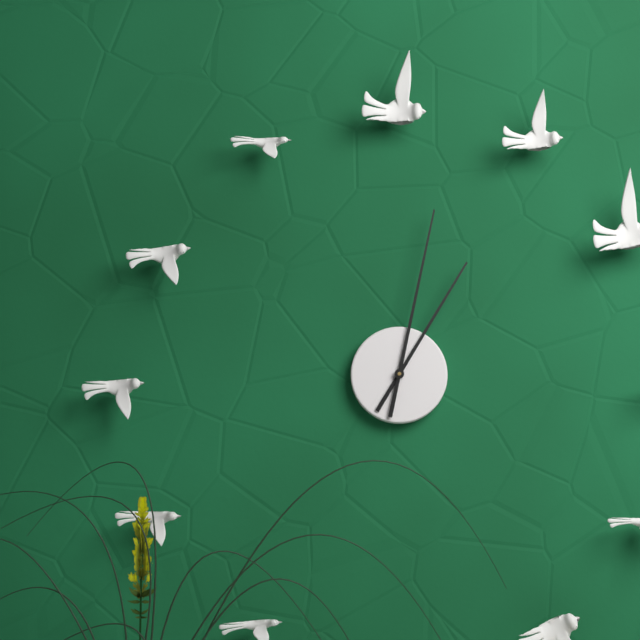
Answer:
1:02
